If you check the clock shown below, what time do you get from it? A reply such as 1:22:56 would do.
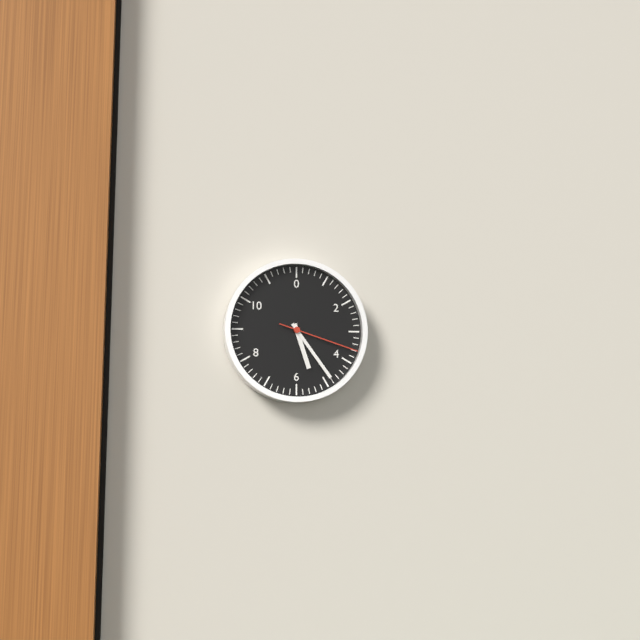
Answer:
5:24:18
